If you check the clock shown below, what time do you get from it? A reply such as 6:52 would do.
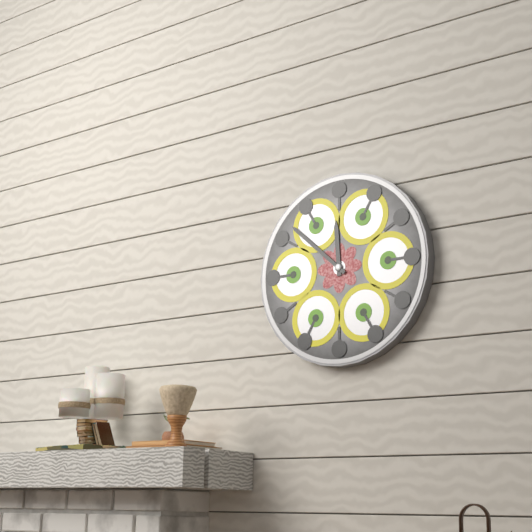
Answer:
11:52
